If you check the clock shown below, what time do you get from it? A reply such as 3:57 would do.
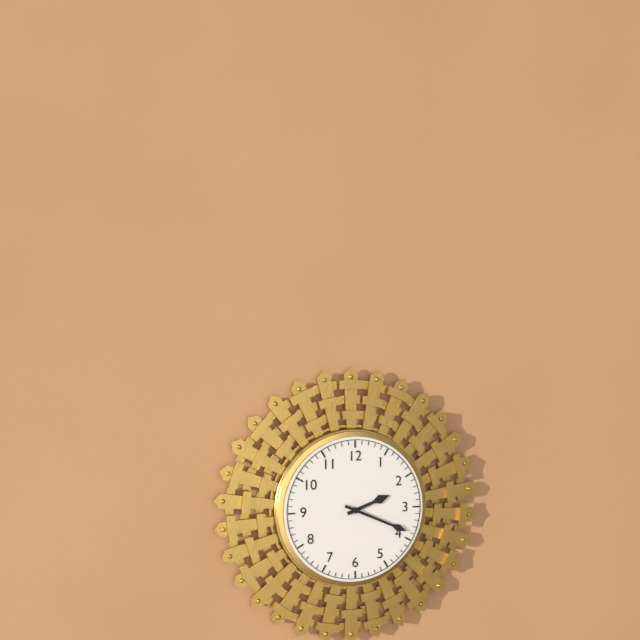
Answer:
2:19
